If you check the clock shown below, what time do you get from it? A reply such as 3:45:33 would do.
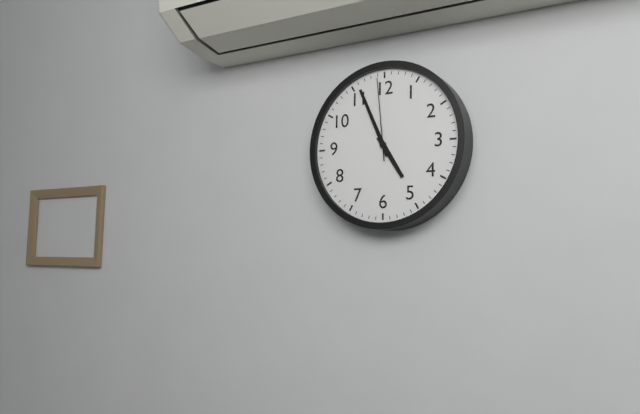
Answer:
4:56:59
